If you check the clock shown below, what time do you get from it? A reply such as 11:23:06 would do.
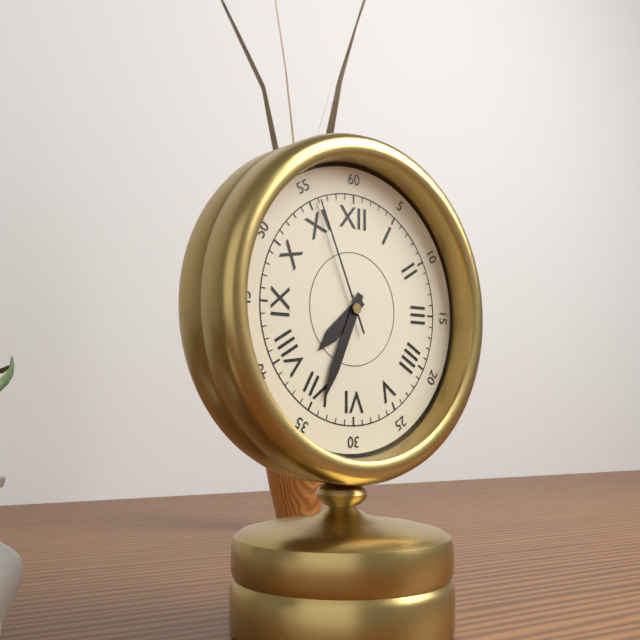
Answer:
7:34:56
